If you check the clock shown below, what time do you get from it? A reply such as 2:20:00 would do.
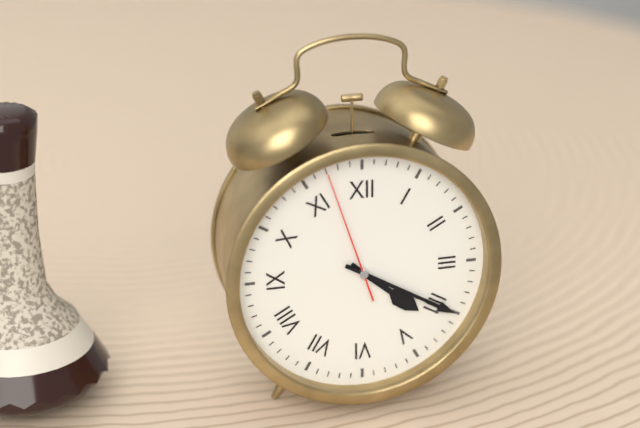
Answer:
4:20:57
